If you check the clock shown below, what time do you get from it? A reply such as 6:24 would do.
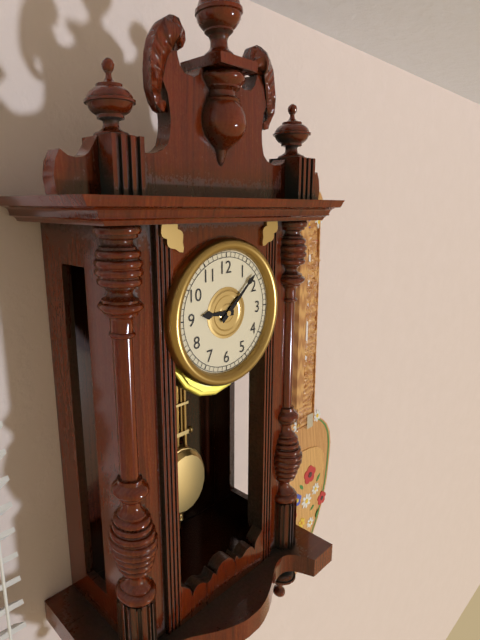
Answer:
9:08
